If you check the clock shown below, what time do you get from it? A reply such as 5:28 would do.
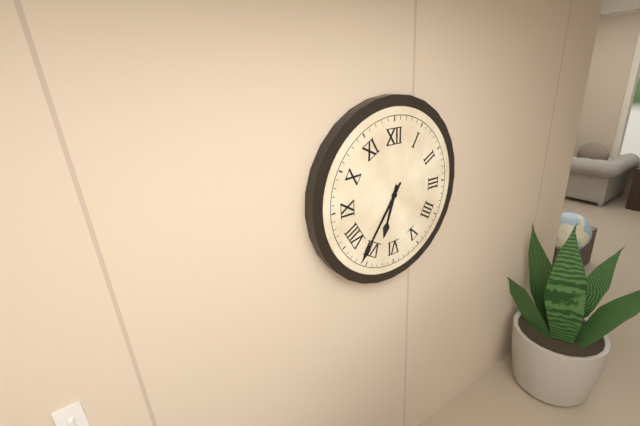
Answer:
6:36
